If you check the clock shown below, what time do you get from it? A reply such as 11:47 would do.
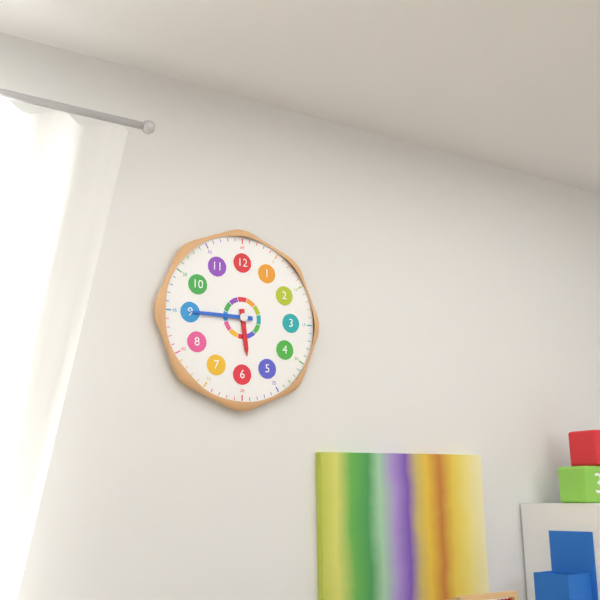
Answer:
5:45
